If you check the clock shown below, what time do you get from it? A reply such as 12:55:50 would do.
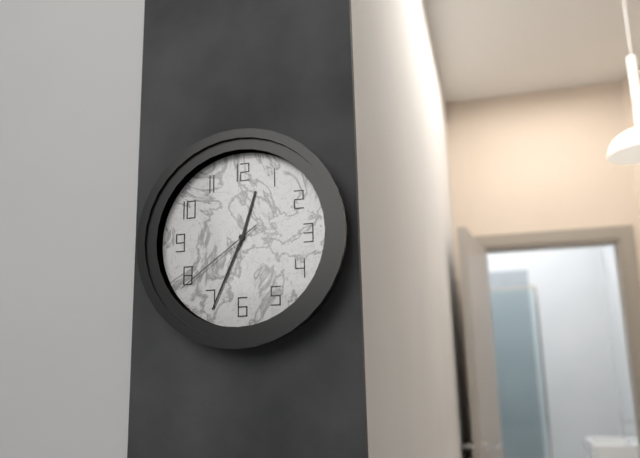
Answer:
12:34:39
